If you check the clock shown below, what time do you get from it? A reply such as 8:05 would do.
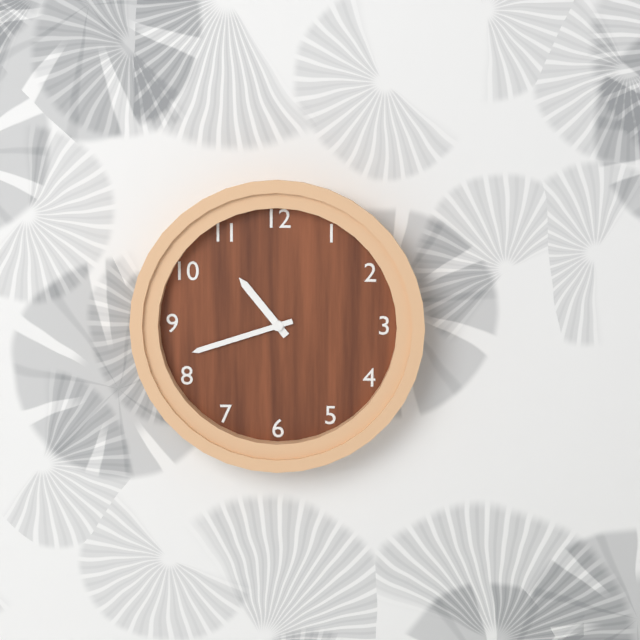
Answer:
10:42
